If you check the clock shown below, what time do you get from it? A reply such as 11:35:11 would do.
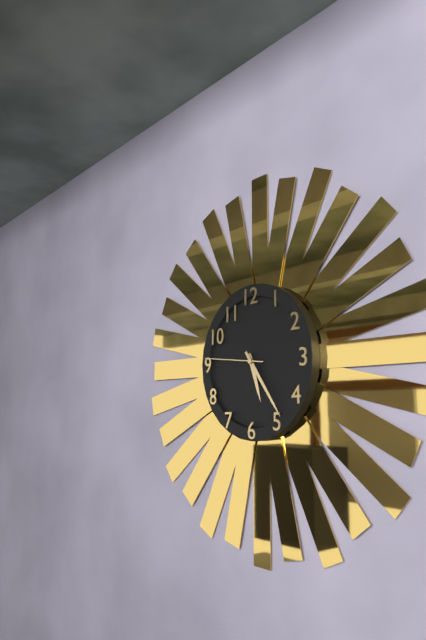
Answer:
5:24:46
